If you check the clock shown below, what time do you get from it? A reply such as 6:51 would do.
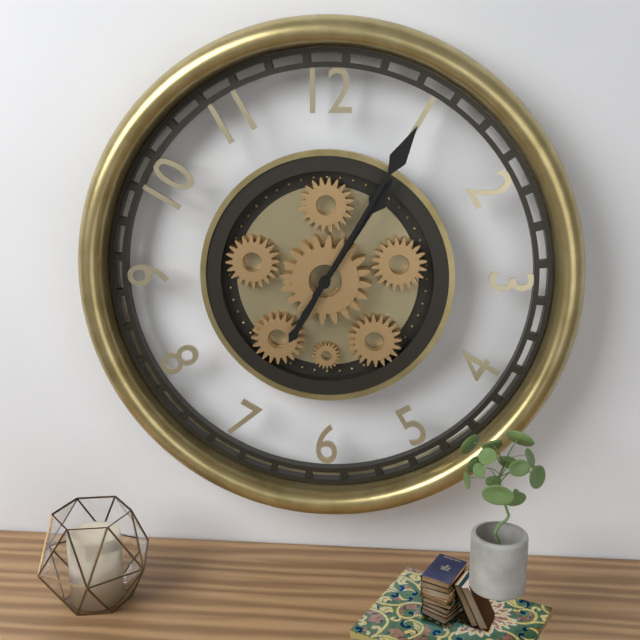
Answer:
1:05
